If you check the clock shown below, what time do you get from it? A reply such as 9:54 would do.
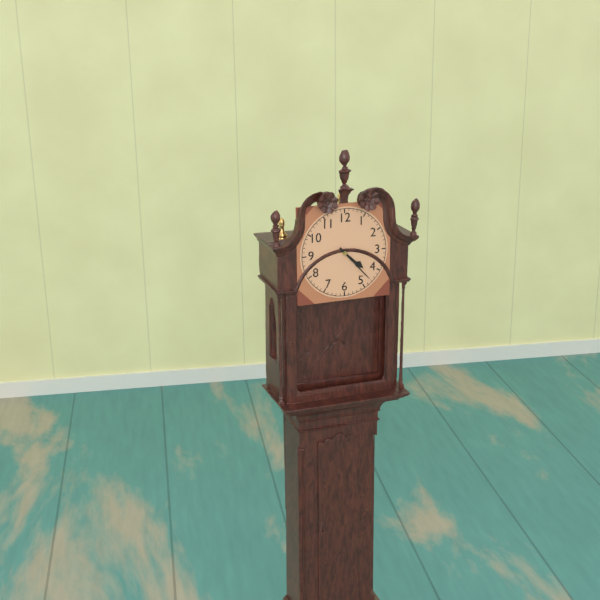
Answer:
4:23
